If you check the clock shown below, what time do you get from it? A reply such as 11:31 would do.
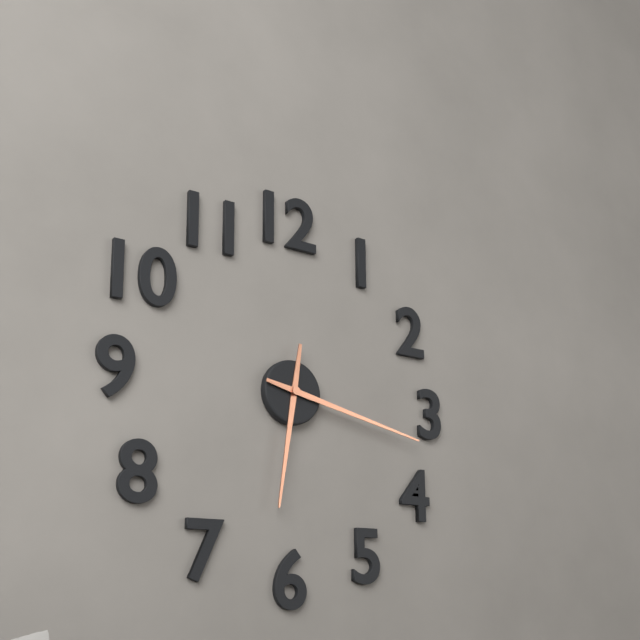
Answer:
6:17
